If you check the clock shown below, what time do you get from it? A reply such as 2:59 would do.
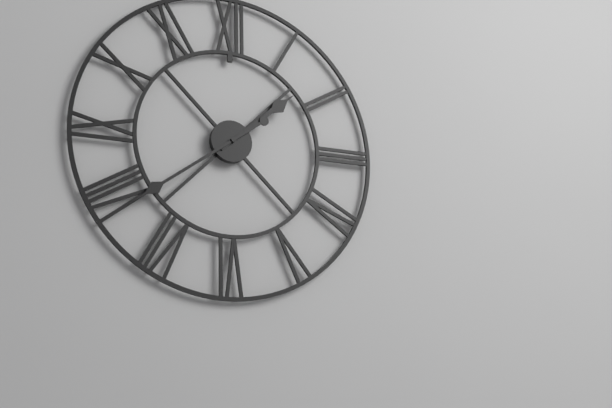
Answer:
1:39
